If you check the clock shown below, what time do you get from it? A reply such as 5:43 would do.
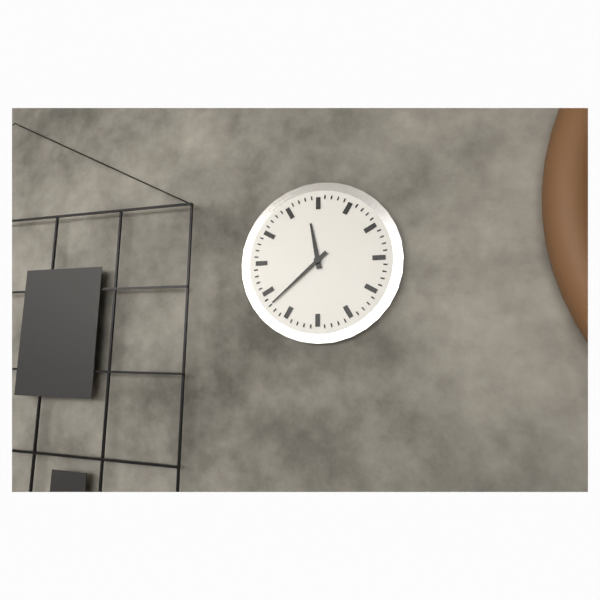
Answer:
11:38
